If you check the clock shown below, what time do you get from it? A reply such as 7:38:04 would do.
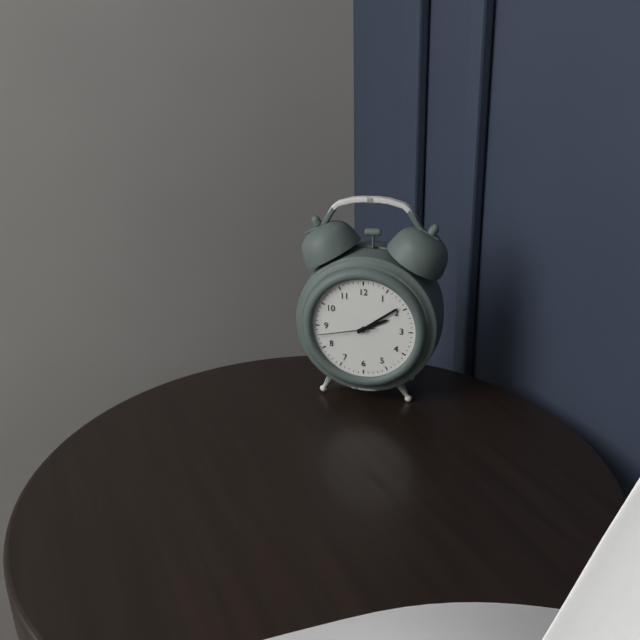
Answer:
2:09:43
